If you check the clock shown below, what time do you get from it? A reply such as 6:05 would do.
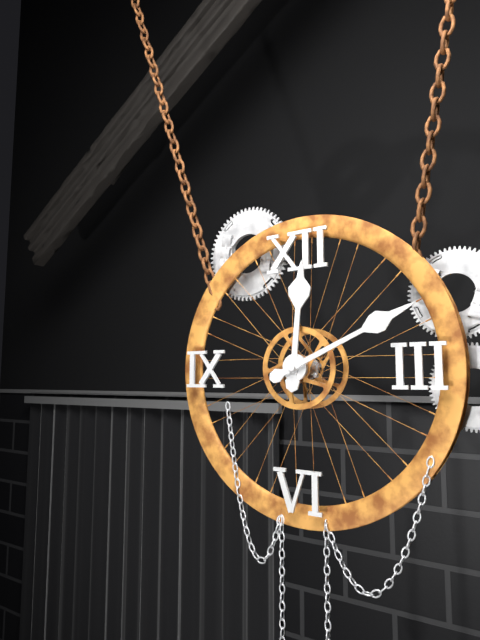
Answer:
12:11
